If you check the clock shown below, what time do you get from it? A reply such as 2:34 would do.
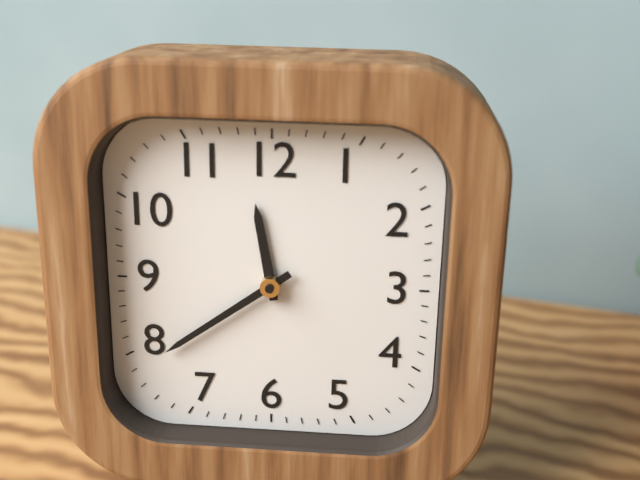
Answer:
11:39
